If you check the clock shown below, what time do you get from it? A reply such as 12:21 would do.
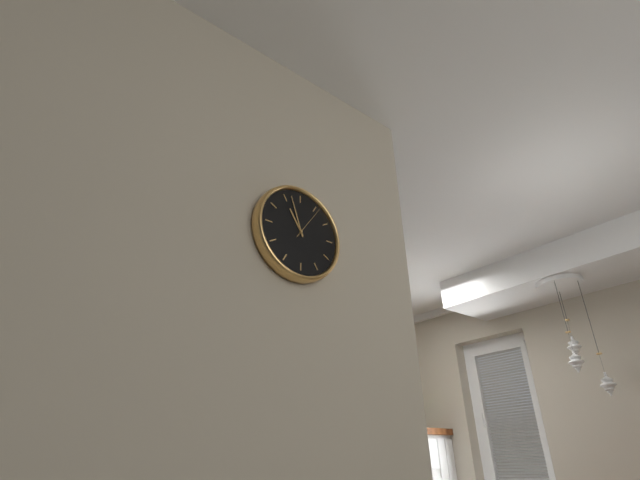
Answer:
10:57
